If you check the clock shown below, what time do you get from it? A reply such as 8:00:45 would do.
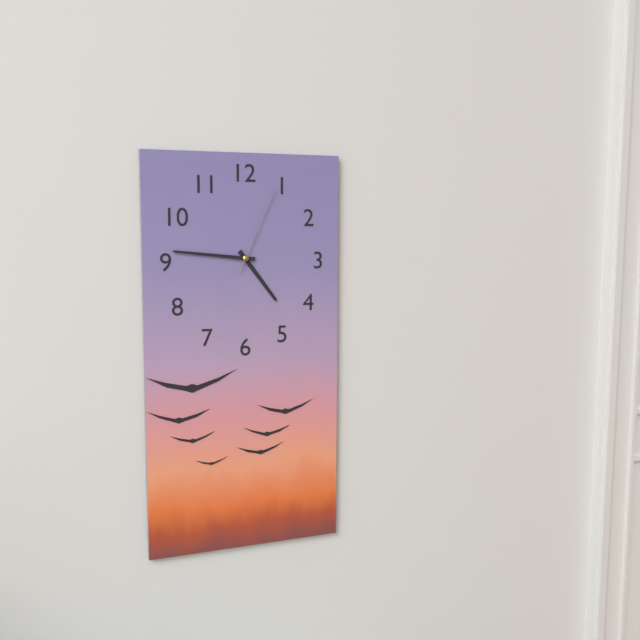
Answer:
4:46:04
